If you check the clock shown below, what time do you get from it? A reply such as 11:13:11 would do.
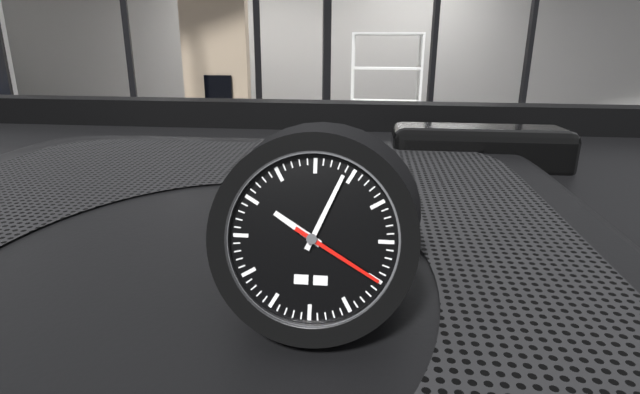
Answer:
10:04:20
